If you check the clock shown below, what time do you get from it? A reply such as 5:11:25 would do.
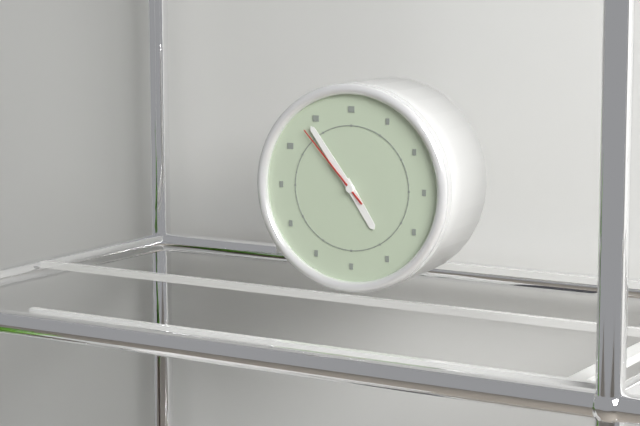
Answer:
4:54:53
